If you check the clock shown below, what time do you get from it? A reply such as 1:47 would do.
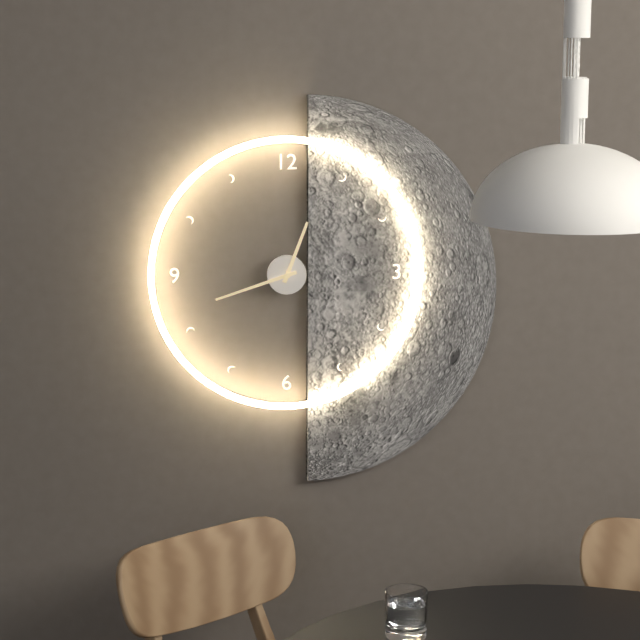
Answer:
12:42
